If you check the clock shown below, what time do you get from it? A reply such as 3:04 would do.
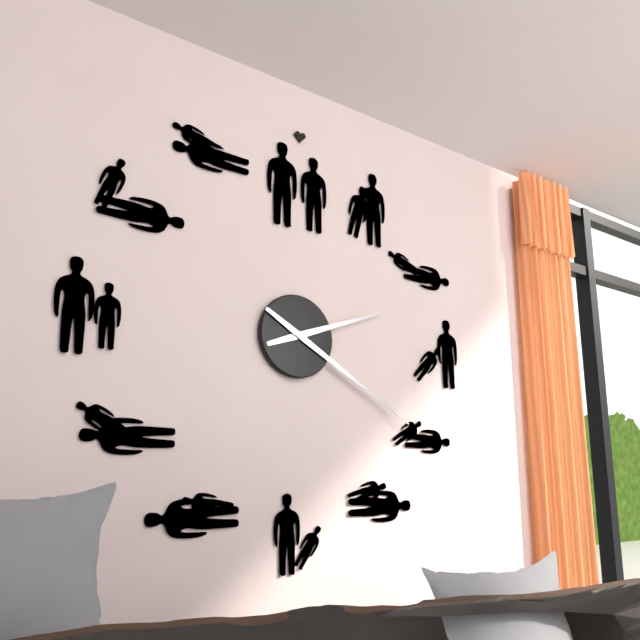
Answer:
2:20
